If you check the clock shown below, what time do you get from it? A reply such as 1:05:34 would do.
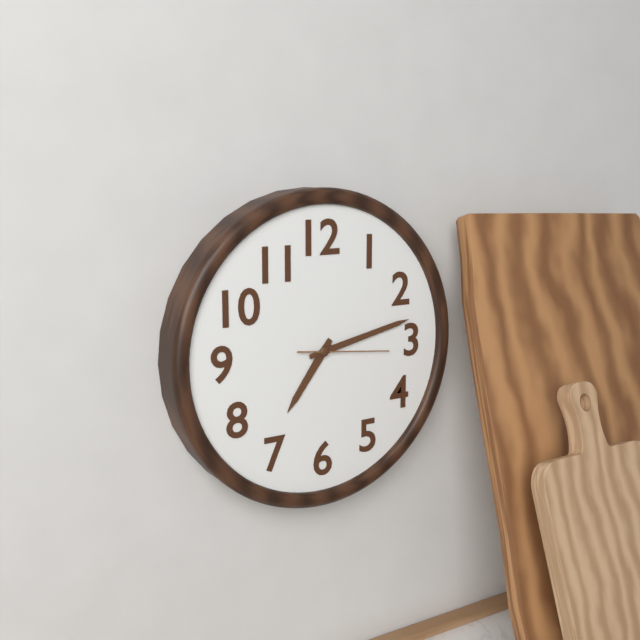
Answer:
7:13:16
